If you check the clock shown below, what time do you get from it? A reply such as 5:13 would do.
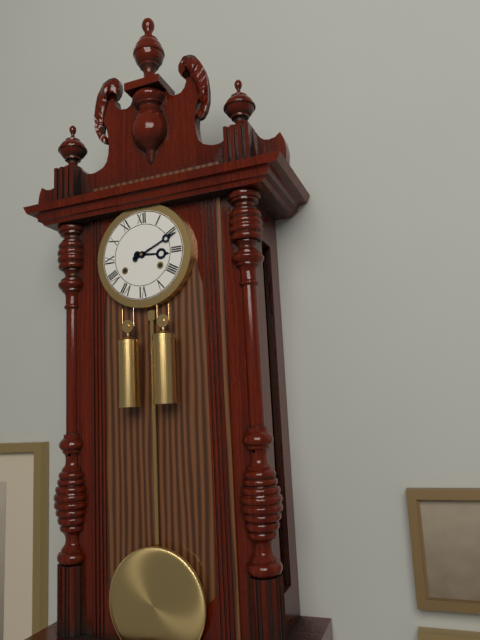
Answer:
3:11
